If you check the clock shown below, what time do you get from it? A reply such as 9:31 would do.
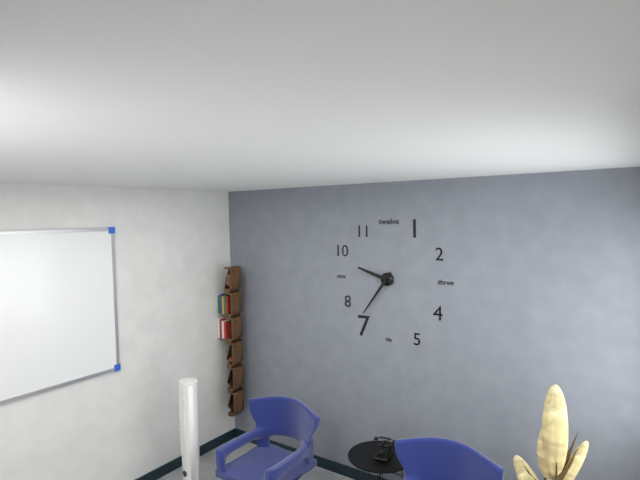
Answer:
9:36
